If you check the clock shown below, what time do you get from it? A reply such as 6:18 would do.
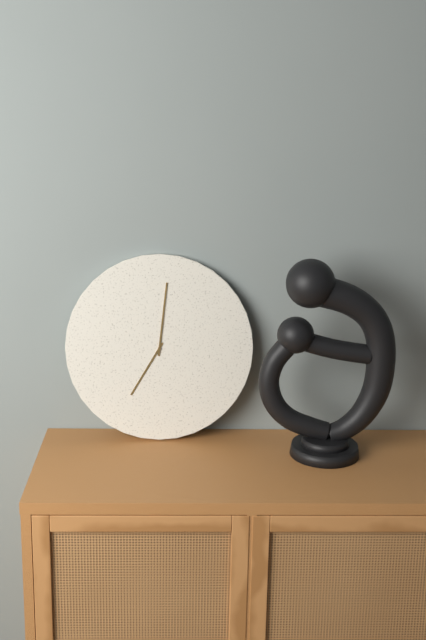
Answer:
7:01
